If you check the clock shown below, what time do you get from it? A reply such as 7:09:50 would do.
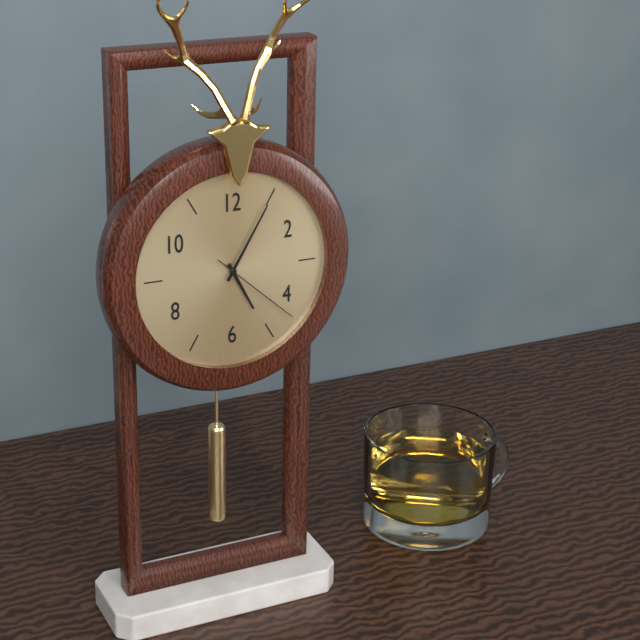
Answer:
5:05:22
